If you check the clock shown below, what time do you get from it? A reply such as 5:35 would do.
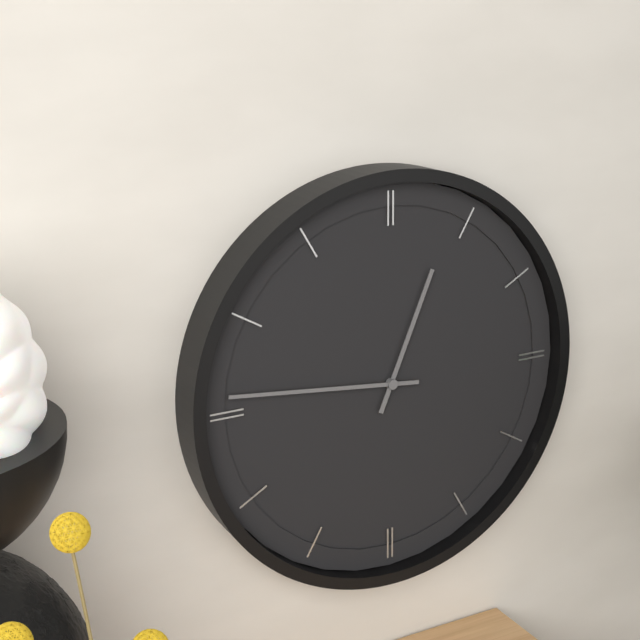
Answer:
12:46
